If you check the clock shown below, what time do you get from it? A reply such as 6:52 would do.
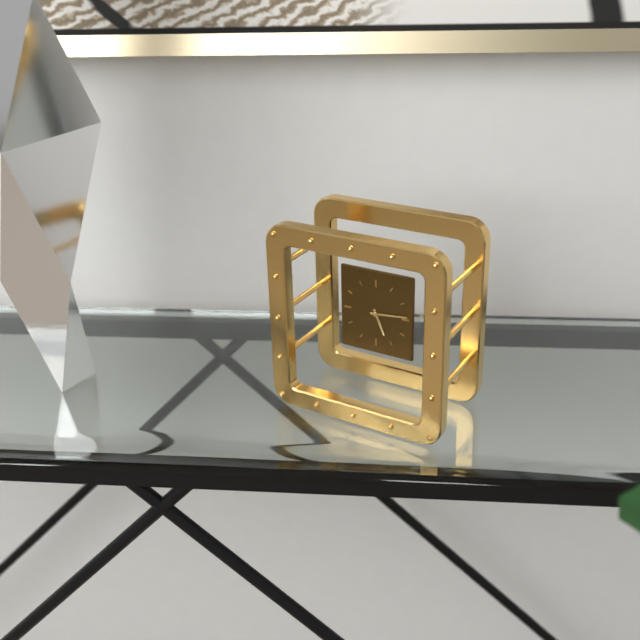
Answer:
5:14
